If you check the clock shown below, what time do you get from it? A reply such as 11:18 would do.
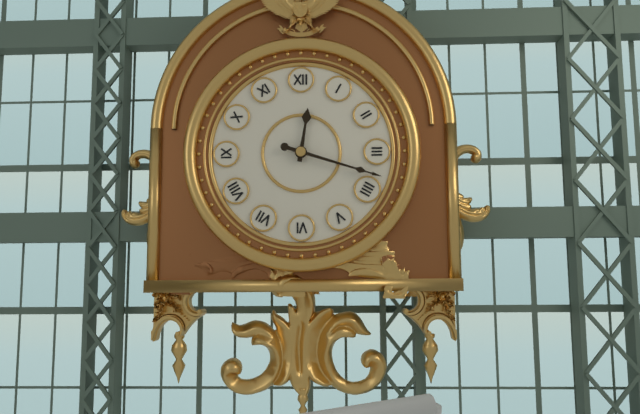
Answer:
12:18
